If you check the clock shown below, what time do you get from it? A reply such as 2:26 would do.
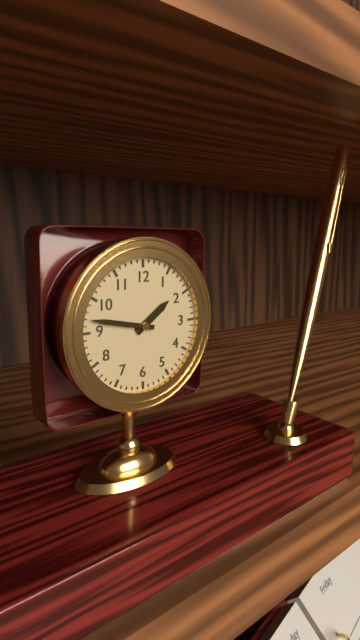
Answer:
1:47
